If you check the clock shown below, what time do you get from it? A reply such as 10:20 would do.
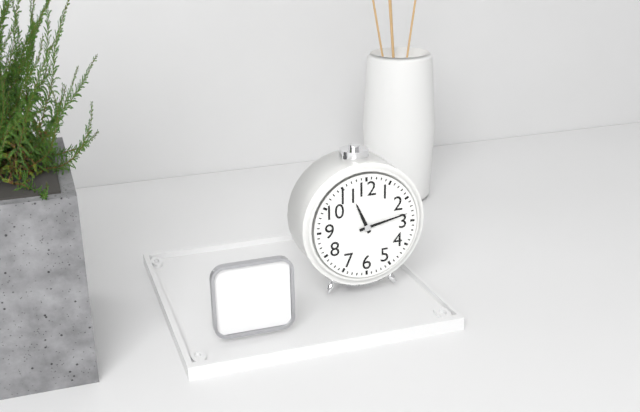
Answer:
11:13
